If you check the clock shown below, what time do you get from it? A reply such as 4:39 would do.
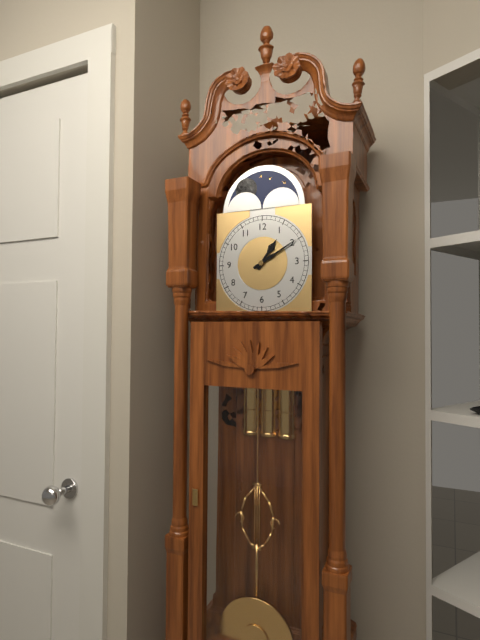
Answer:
1:10
